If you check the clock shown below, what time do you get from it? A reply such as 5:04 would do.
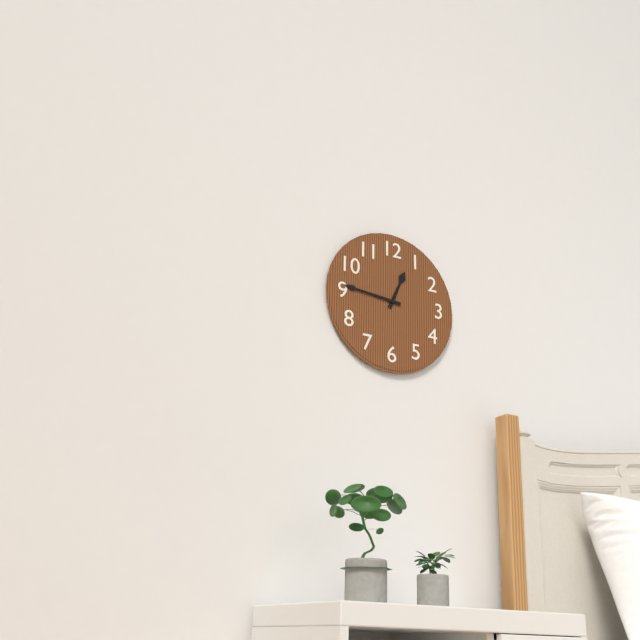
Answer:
12:46
